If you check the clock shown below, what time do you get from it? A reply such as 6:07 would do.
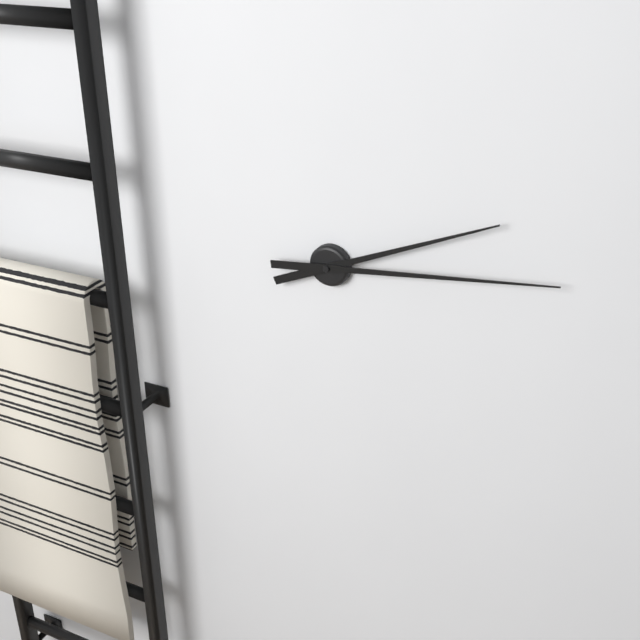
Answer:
2:14
